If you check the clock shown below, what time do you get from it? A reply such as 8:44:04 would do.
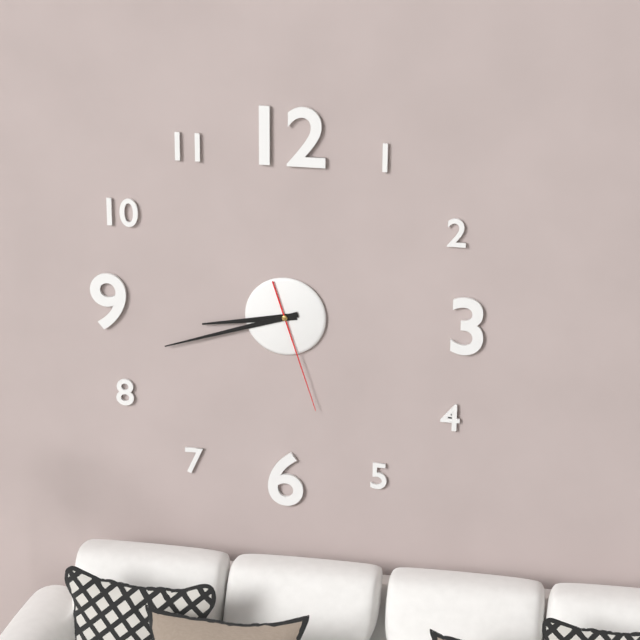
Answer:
8:42:27
